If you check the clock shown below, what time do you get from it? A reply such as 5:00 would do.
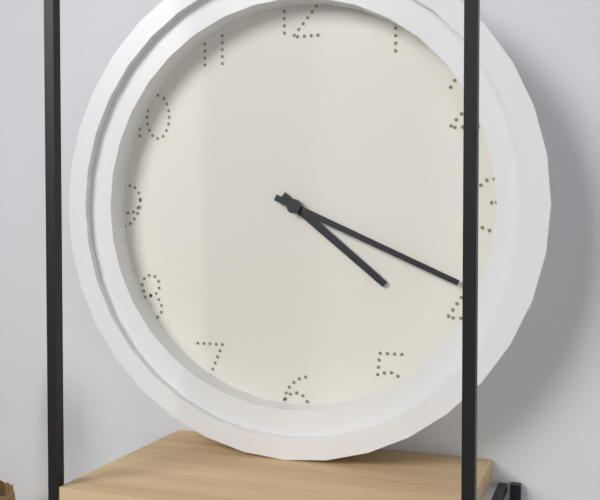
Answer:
4:19
